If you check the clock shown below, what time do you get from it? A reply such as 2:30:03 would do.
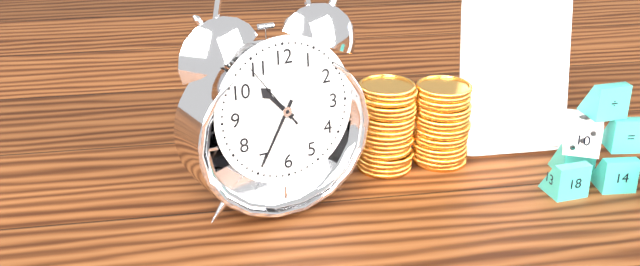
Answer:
10:35:54
